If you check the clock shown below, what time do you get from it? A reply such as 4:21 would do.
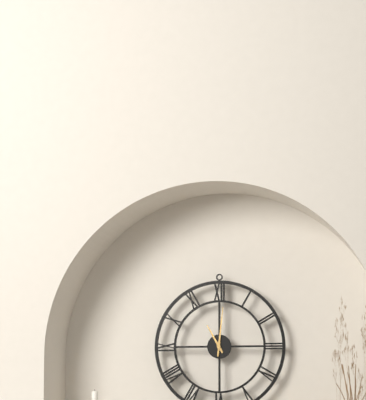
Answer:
11:01
